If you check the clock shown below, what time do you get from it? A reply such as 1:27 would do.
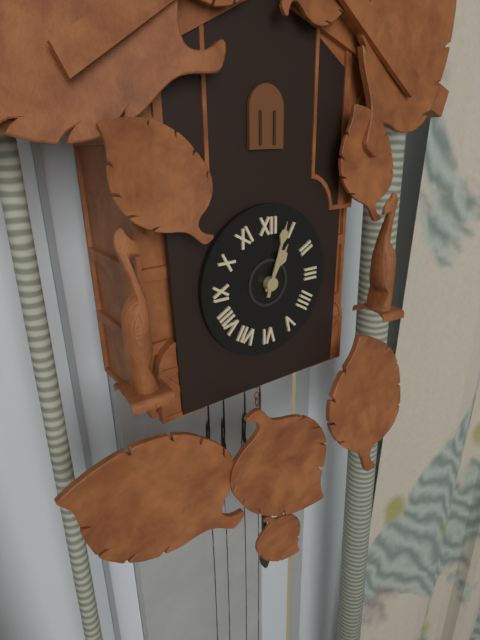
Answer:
1:03
